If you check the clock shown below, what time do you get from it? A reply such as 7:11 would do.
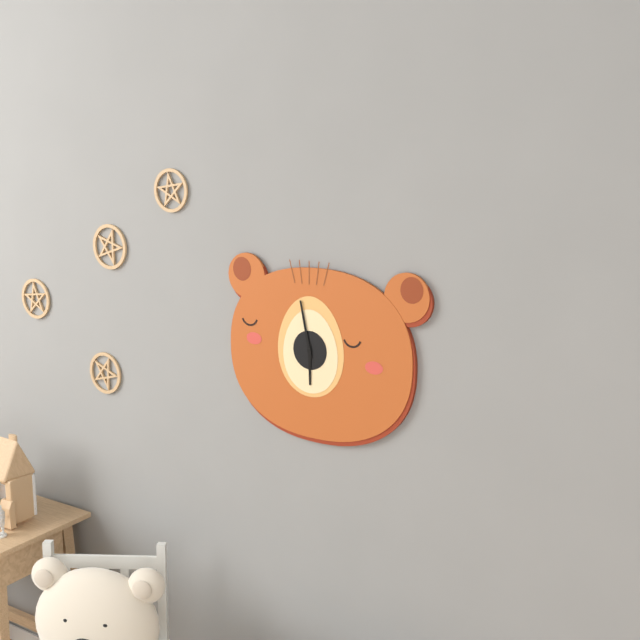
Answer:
5:58
